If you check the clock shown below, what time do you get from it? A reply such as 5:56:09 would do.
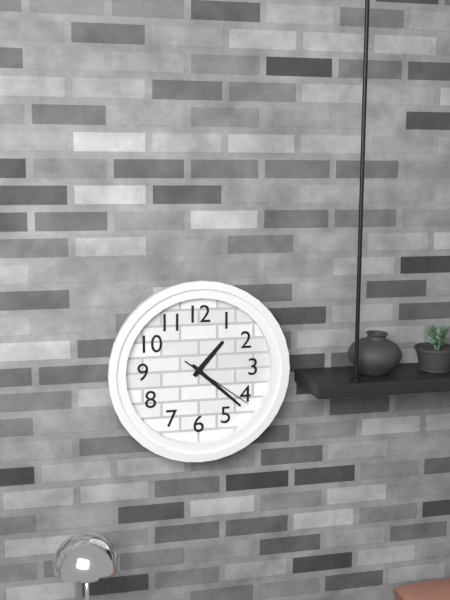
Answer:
1:22:21
